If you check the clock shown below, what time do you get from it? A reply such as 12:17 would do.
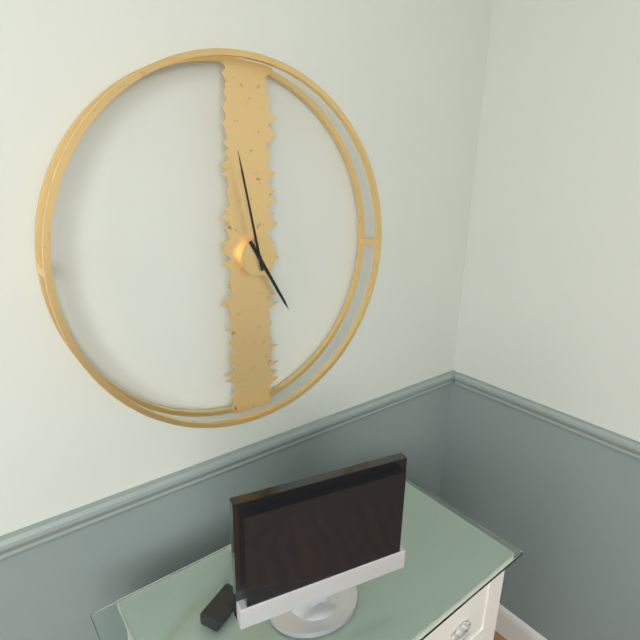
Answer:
4:58
